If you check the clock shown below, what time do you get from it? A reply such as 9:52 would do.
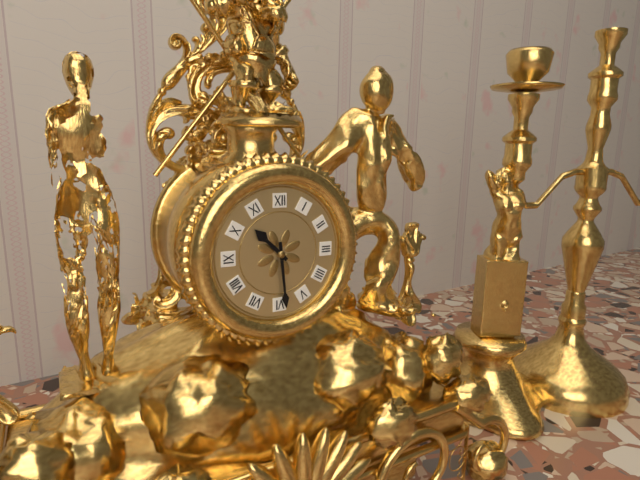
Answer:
10:29
